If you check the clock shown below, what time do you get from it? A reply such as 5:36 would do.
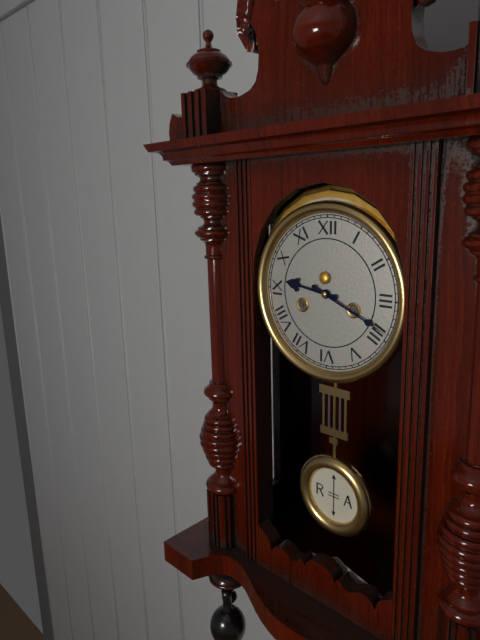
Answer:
9:19
